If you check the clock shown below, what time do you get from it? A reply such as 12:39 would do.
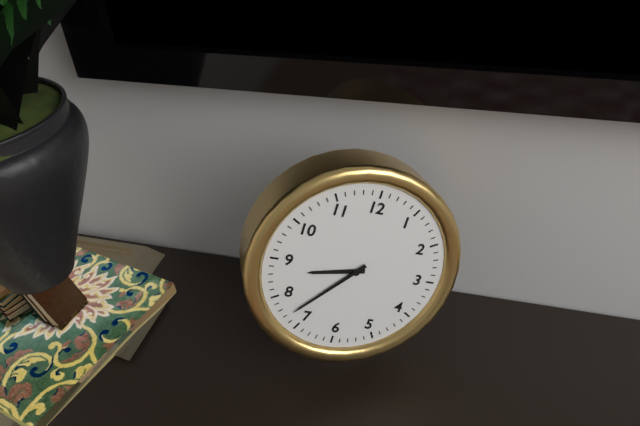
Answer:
8:37
